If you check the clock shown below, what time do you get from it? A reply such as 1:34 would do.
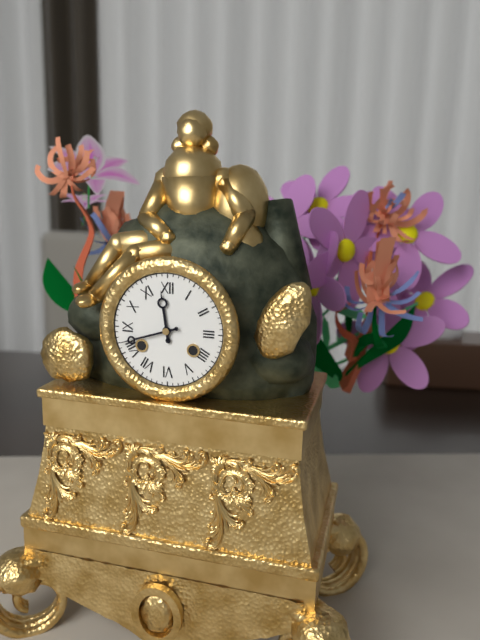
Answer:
11:42
